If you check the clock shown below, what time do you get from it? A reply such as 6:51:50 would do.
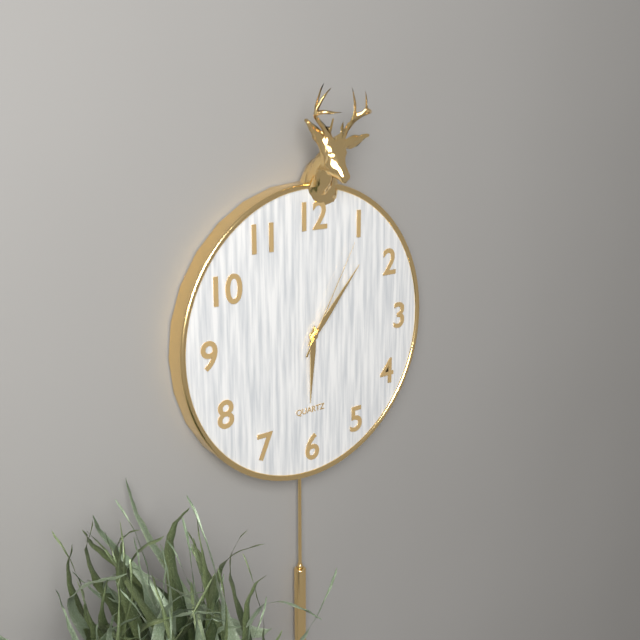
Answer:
6:07:05
